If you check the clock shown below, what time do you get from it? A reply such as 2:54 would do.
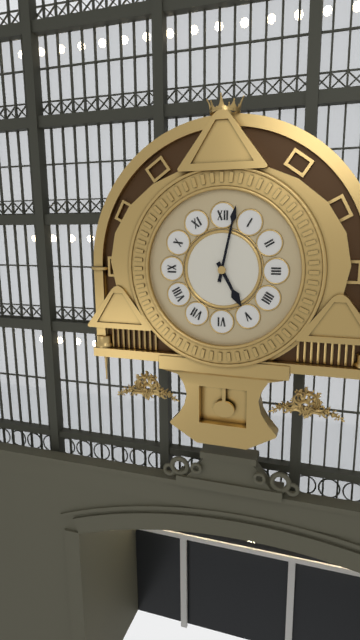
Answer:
5:02
